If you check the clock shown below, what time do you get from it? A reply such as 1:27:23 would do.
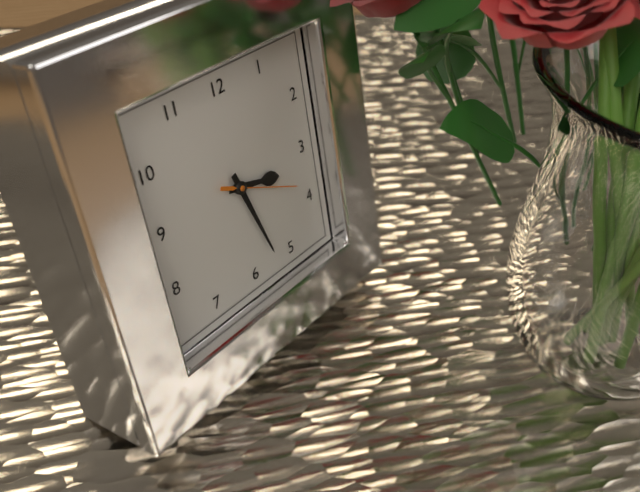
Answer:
3:27:19
